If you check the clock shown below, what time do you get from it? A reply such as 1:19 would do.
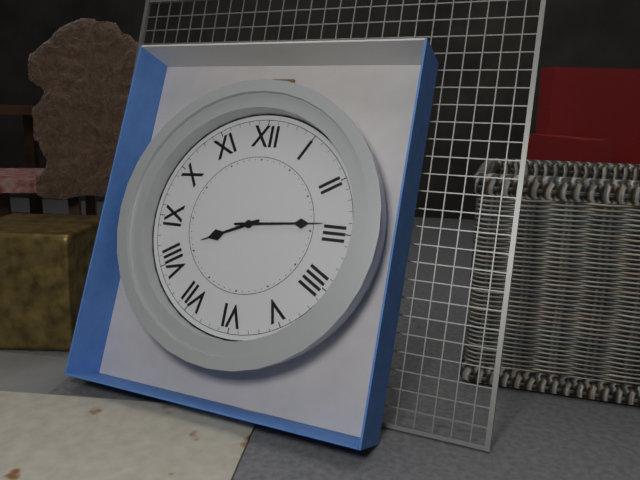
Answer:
8:14
